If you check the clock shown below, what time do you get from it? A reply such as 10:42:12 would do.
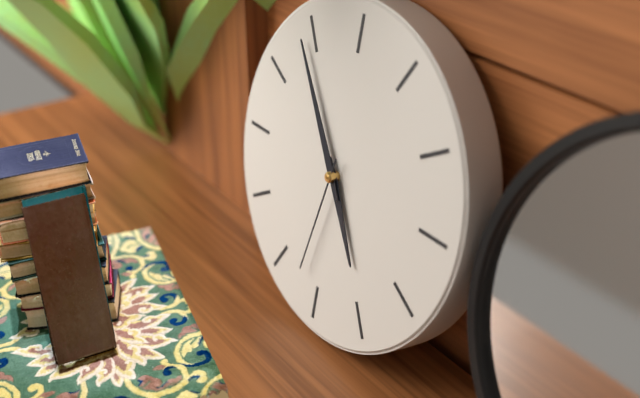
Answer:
4:54:32
